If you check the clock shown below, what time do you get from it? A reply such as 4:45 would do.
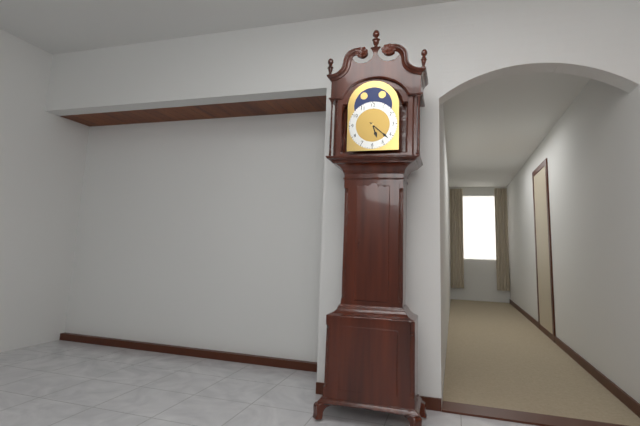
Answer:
5:22
